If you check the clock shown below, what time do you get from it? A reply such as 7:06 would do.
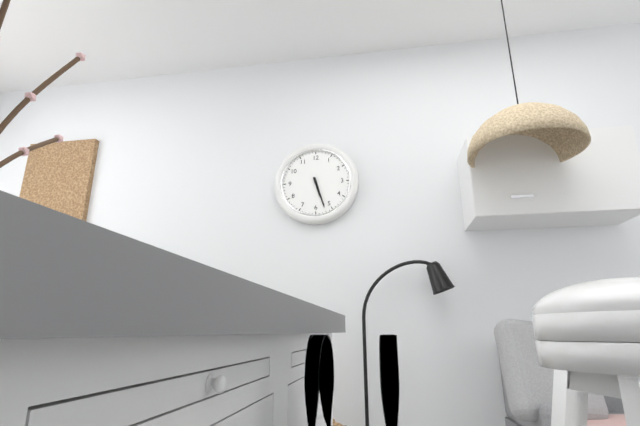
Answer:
5:27
